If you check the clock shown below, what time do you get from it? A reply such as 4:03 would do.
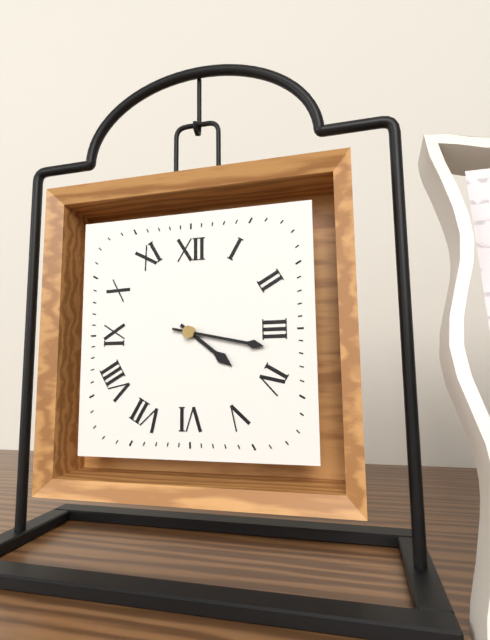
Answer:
4:17
